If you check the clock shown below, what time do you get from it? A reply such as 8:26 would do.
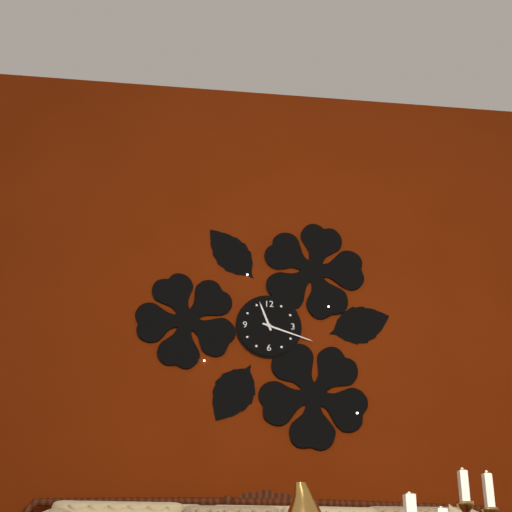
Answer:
11:18
